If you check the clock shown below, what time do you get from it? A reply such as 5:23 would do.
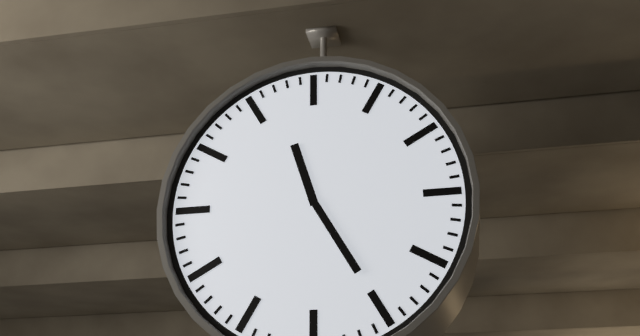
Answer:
11:25
